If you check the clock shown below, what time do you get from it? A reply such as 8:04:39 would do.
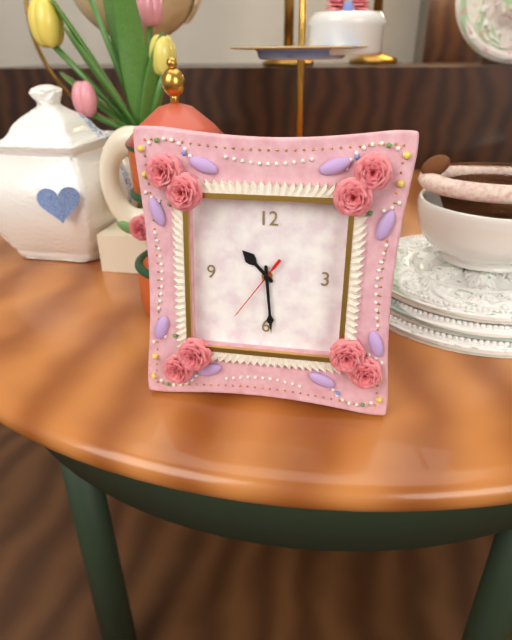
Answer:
10:29:36
